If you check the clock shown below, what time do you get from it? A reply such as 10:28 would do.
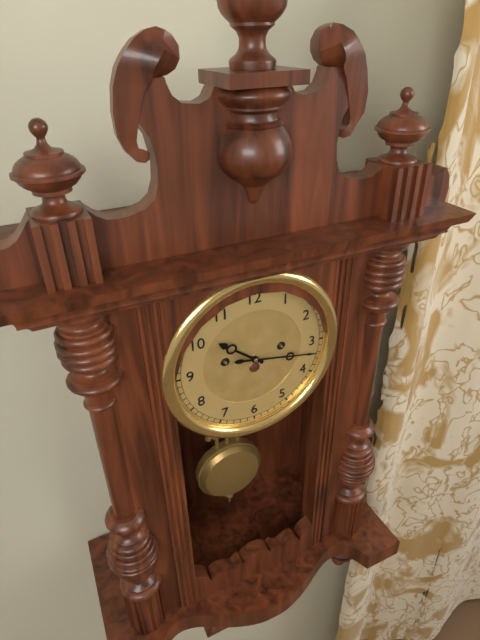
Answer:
10:17
